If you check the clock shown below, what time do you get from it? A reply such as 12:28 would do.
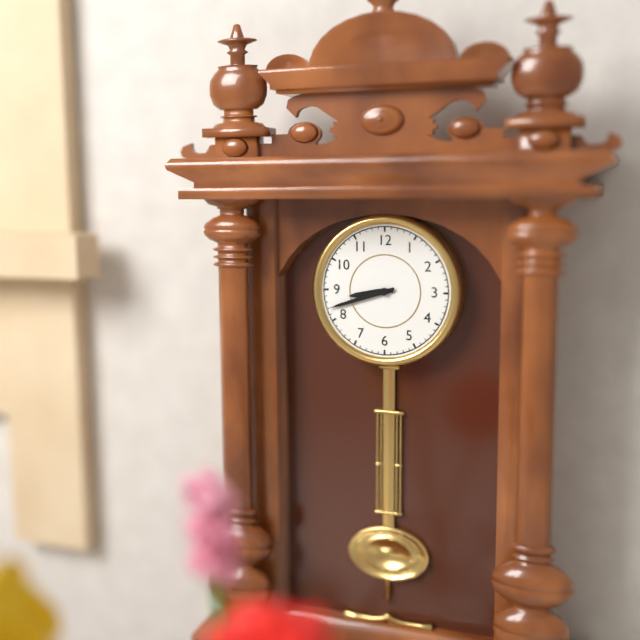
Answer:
8:42
